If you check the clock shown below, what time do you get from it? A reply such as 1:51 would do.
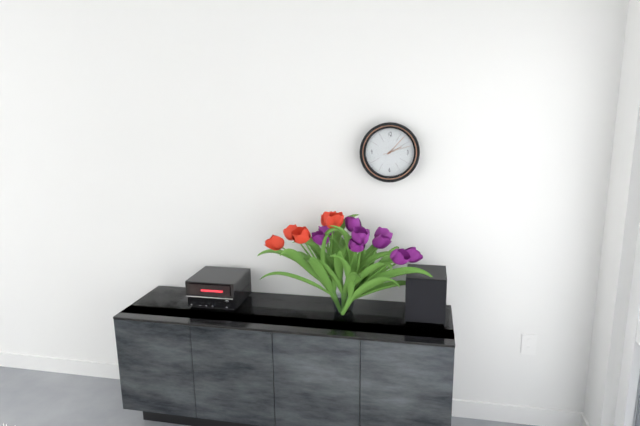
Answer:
2:07
